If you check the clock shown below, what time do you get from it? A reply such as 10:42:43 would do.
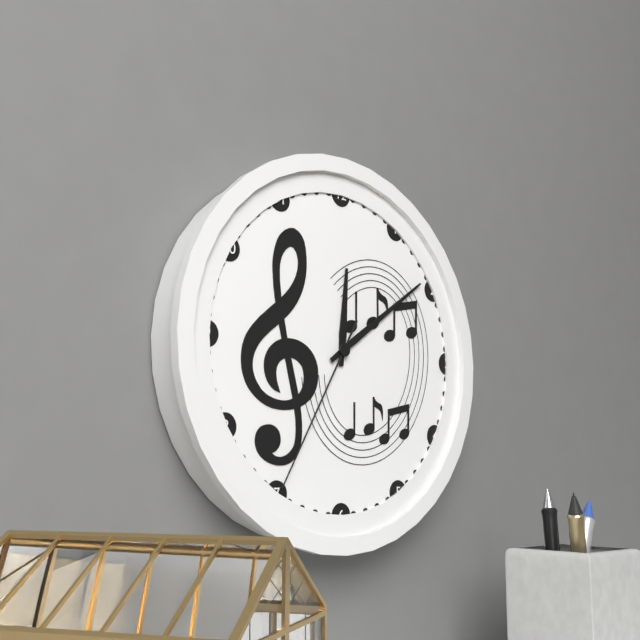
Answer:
12:09:35
